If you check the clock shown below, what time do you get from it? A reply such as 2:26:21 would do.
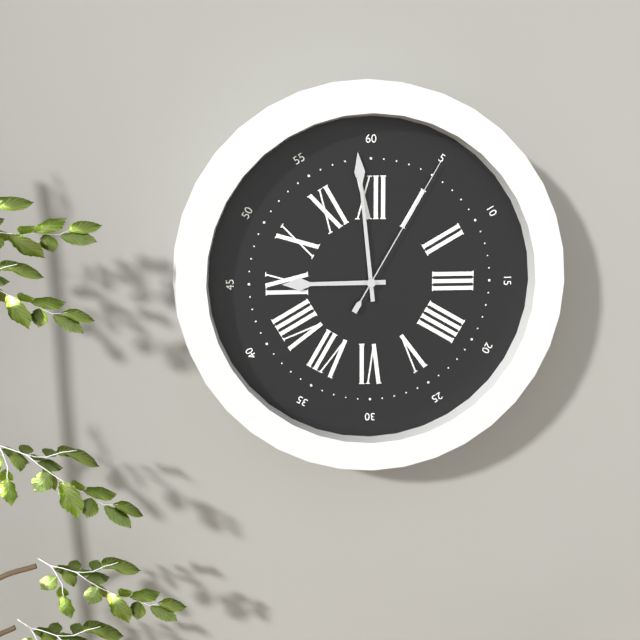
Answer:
8:59:05
